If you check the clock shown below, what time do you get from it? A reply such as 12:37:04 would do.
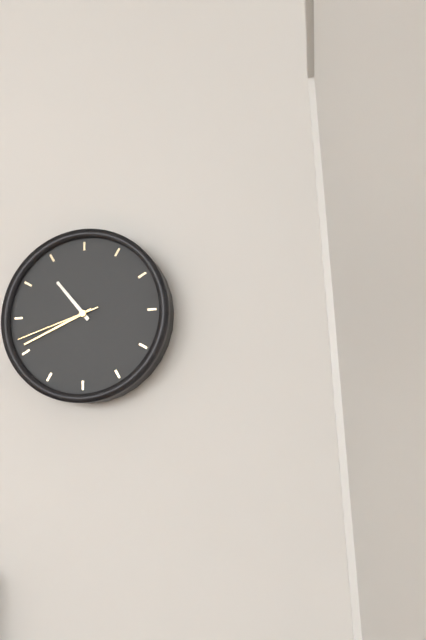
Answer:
10:41:42
